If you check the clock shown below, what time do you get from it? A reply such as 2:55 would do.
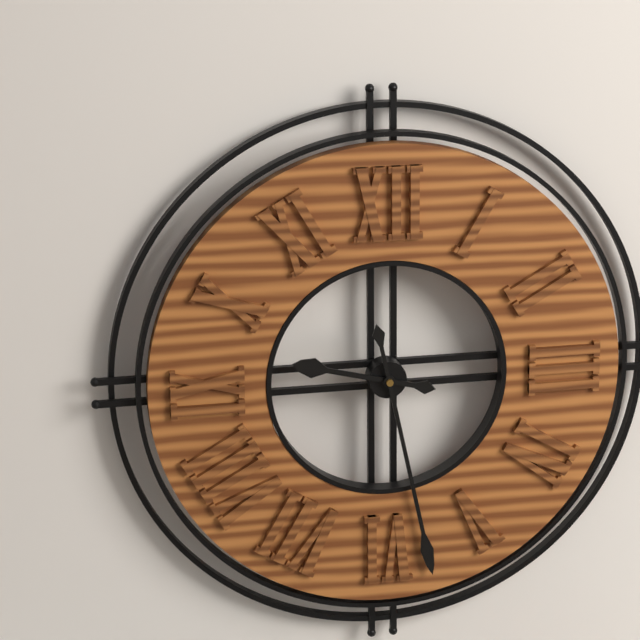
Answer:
9:28
